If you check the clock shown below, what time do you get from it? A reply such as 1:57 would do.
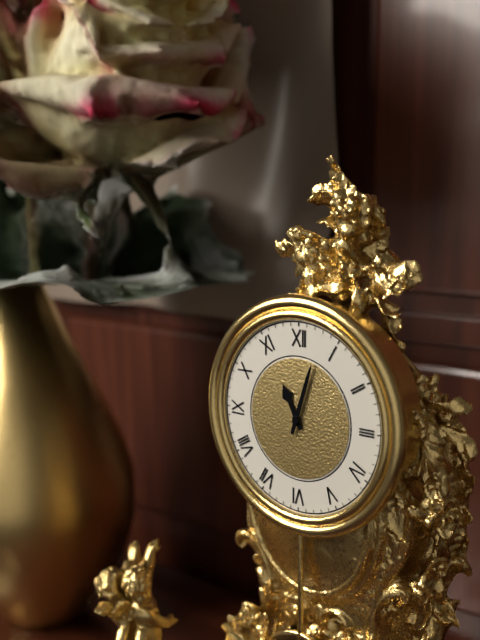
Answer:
11:03
